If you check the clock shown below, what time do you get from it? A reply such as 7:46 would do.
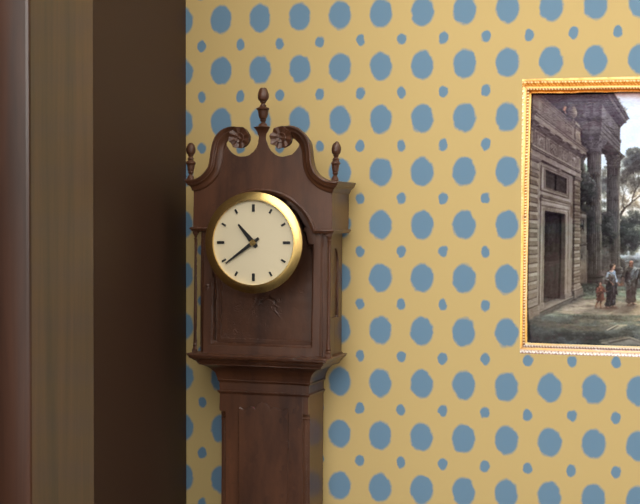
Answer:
10:39
